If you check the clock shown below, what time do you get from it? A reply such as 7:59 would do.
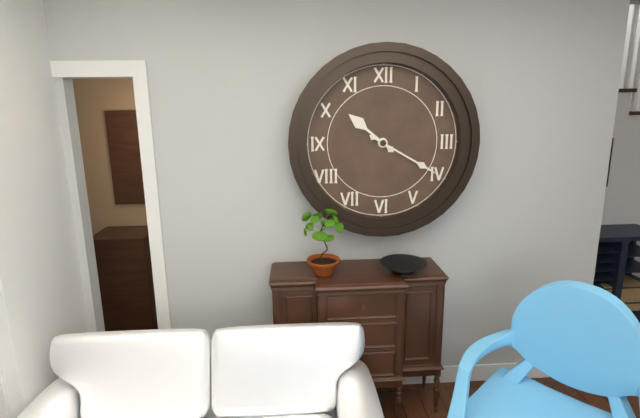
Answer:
10:20
